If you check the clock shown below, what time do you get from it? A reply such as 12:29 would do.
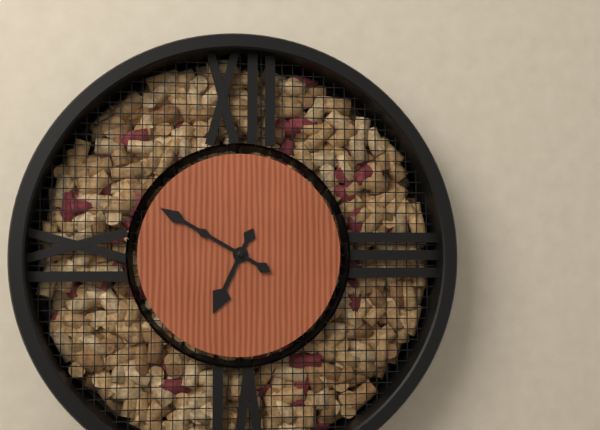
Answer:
6:50
